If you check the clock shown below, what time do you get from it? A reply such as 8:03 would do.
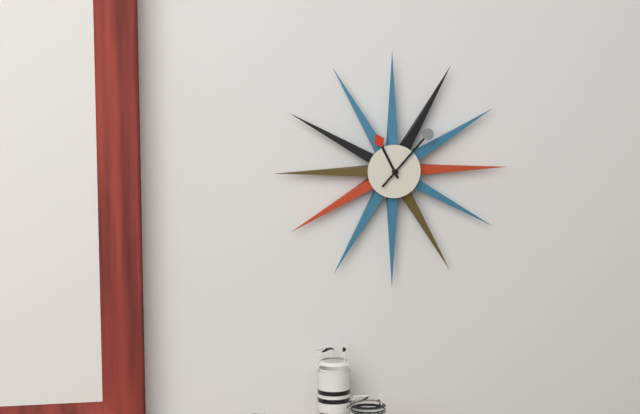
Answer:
11:07
